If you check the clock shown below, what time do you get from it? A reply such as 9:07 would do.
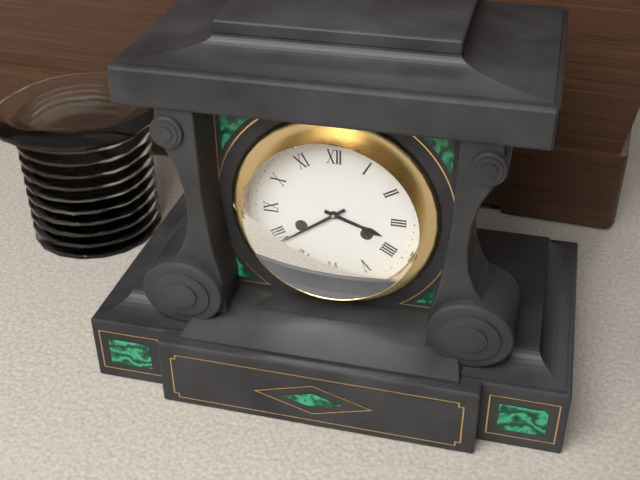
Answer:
3:39
